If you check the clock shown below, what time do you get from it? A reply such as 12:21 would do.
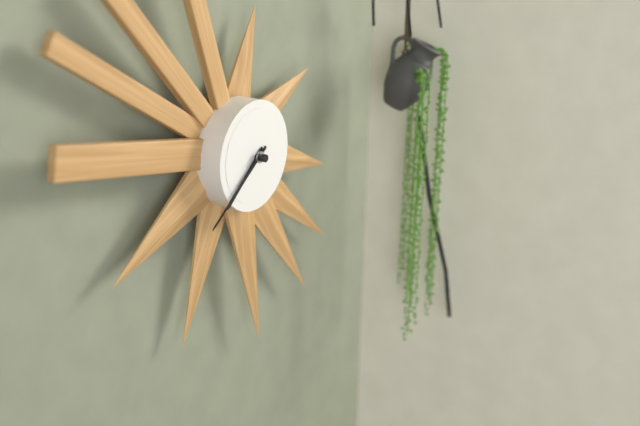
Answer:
7:39
